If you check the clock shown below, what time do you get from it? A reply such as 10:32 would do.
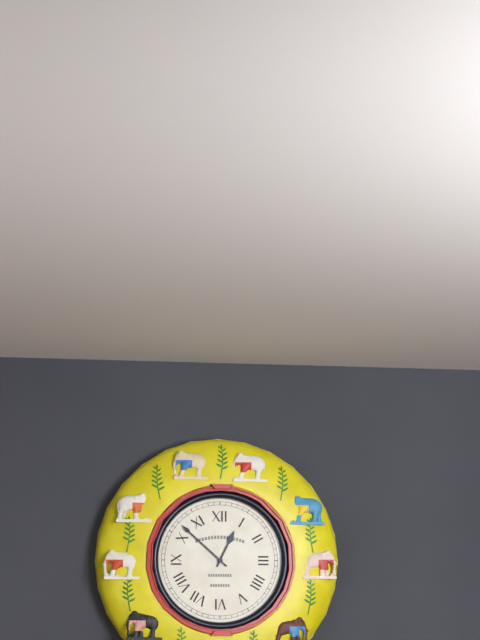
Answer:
12:52
